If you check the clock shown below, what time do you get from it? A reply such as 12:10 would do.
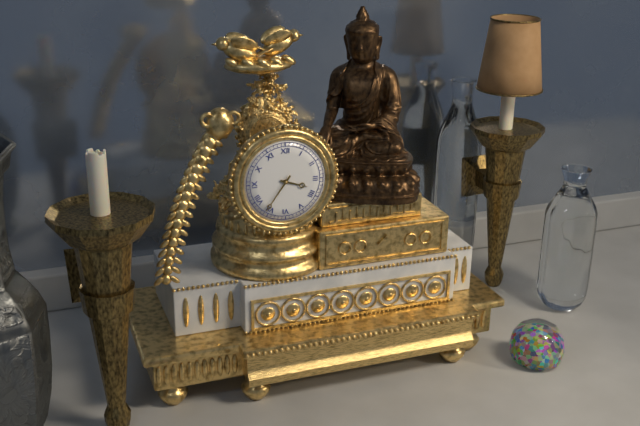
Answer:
3:36
